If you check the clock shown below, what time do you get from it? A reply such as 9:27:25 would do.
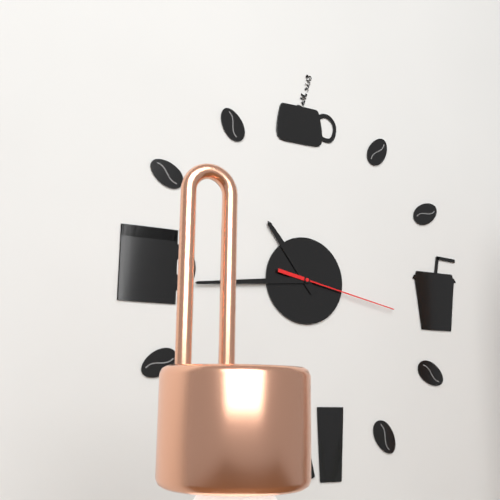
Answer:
10:44:17
